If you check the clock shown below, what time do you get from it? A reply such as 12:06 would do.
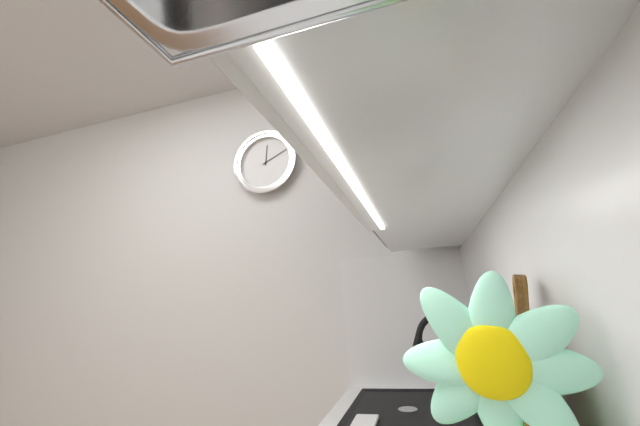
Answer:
12:11
